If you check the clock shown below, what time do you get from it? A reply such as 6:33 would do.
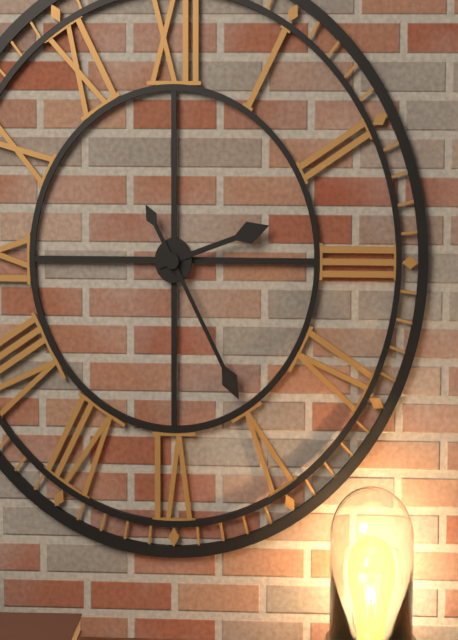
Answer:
2:25
